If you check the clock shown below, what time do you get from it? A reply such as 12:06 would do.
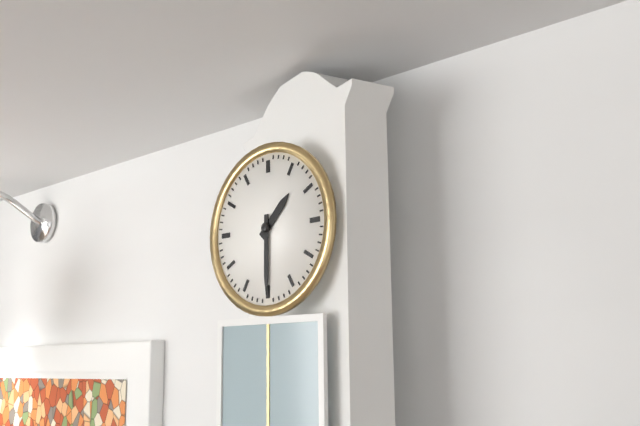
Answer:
1:30
